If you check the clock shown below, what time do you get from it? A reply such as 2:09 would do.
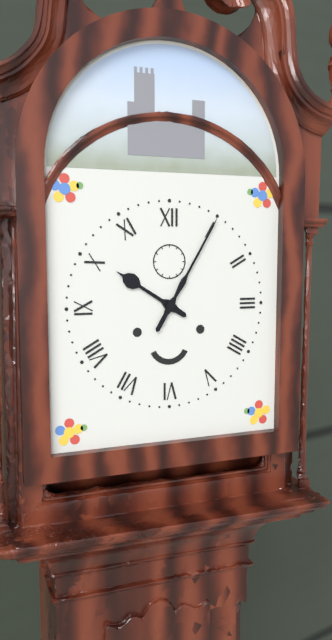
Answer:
10:05
